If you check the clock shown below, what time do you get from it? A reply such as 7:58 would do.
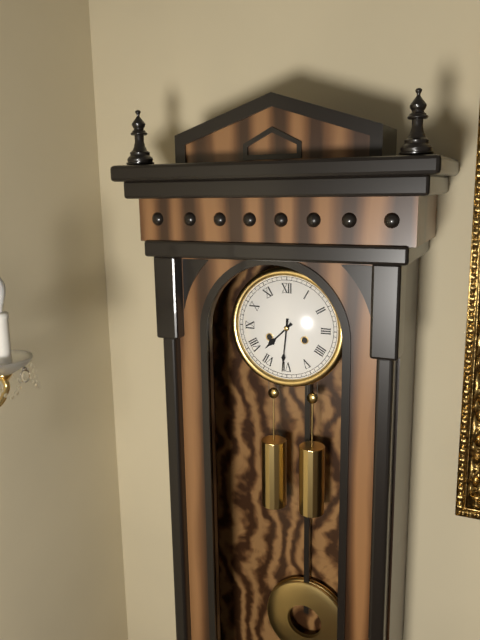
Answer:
7:31
